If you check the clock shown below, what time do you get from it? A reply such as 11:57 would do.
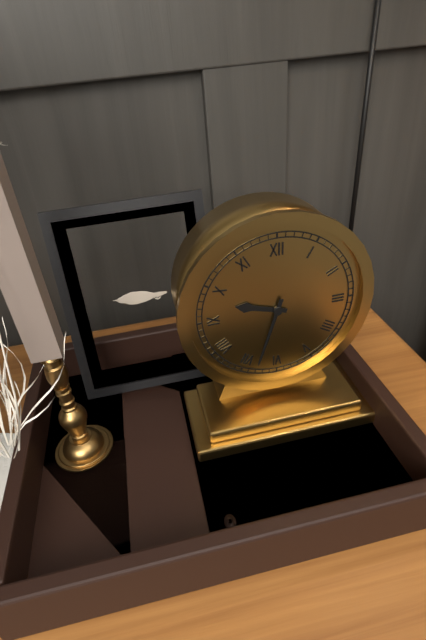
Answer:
9:33
